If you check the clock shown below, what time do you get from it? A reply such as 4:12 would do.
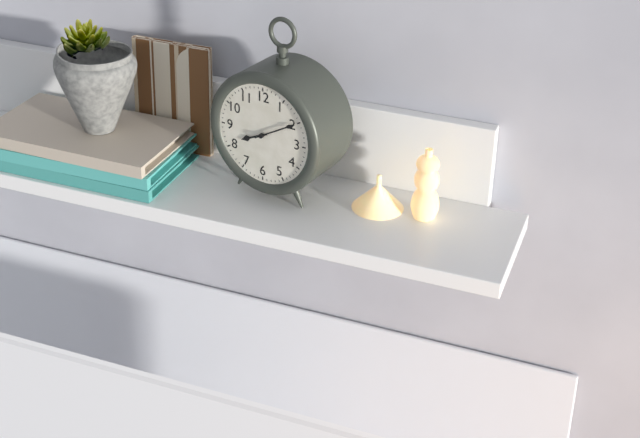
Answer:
8:10
